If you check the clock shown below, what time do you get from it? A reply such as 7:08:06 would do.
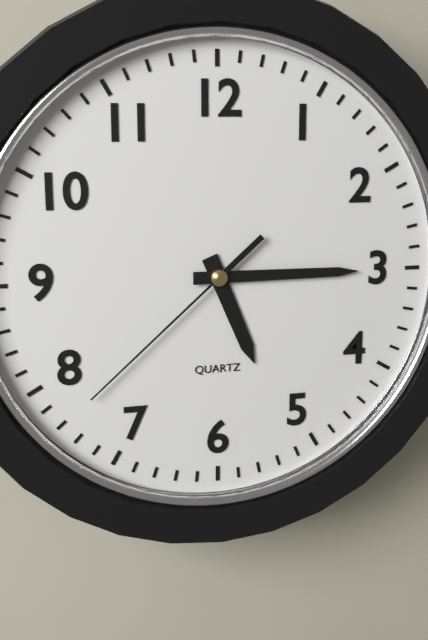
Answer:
5:15:38
